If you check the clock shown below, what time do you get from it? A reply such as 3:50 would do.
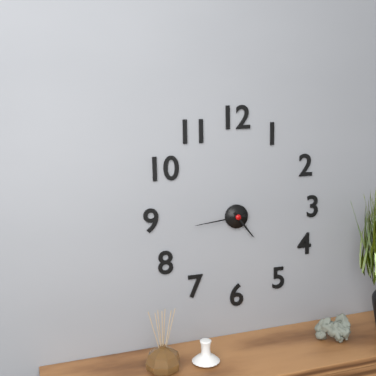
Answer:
4:44
